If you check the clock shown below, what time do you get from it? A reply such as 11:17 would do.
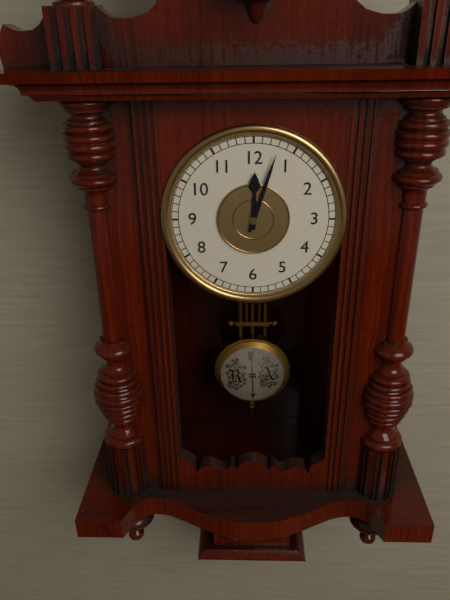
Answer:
12:03
